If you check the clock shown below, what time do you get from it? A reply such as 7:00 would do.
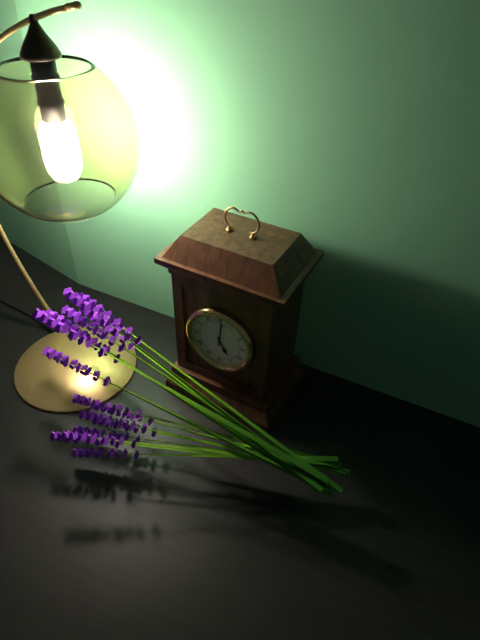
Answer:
5:01
